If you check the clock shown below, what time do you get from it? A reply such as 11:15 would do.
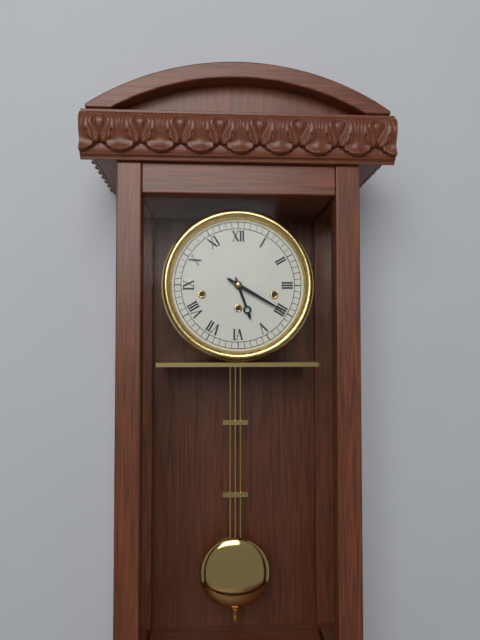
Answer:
5:20
